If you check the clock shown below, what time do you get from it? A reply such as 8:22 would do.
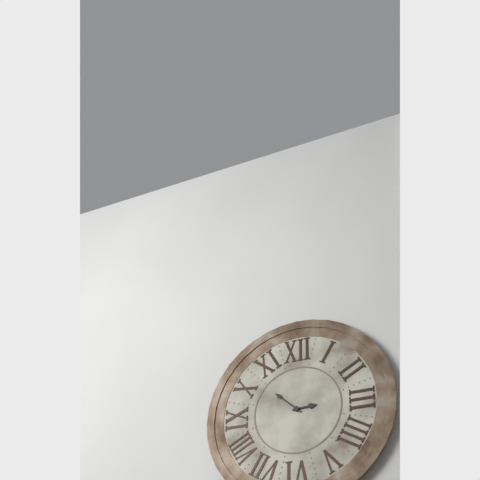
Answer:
2:52
